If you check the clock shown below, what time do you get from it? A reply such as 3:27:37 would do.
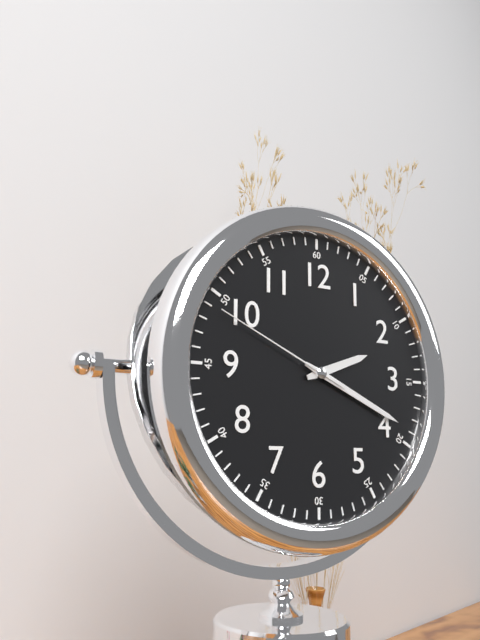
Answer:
2:19:49
